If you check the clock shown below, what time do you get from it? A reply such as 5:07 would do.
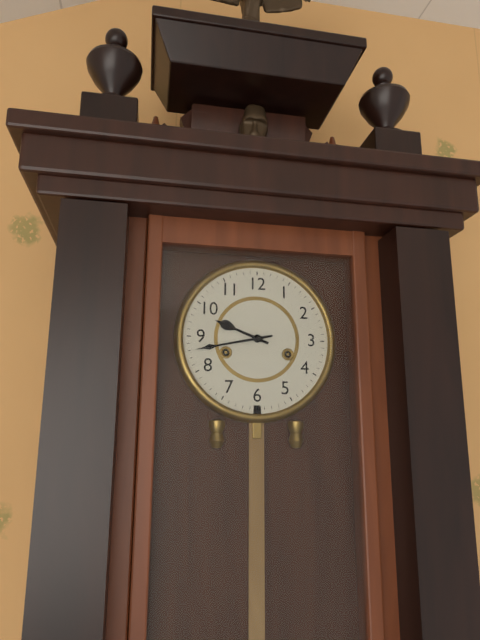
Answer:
9:43
